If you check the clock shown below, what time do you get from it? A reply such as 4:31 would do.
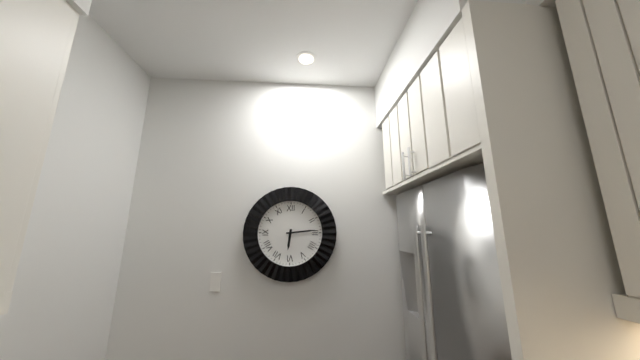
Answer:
6:14
